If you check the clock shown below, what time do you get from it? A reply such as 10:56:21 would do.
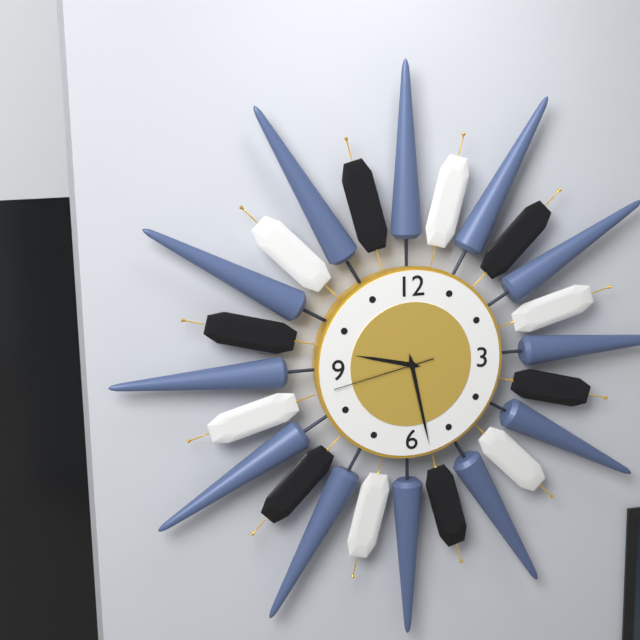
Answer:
9:28:43
